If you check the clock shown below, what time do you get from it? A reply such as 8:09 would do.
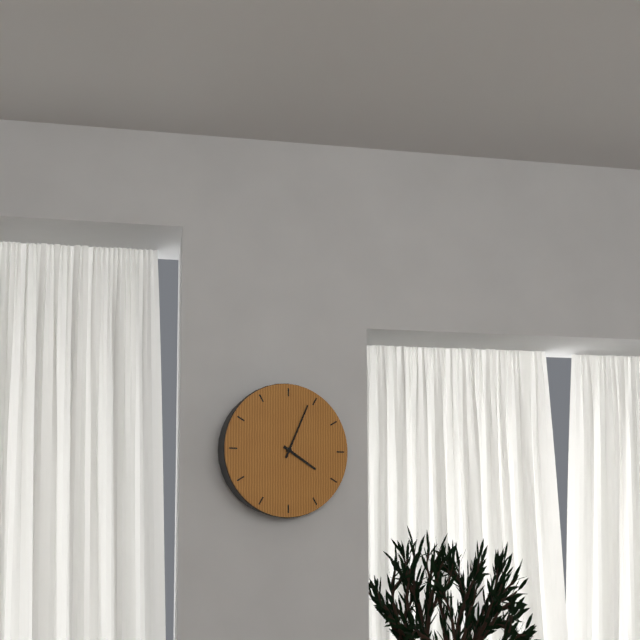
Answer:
4:04
